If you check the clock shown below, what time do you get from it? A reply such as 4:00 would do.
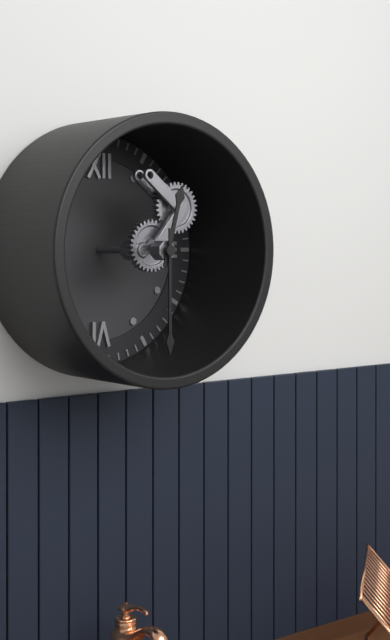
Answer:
12:30
